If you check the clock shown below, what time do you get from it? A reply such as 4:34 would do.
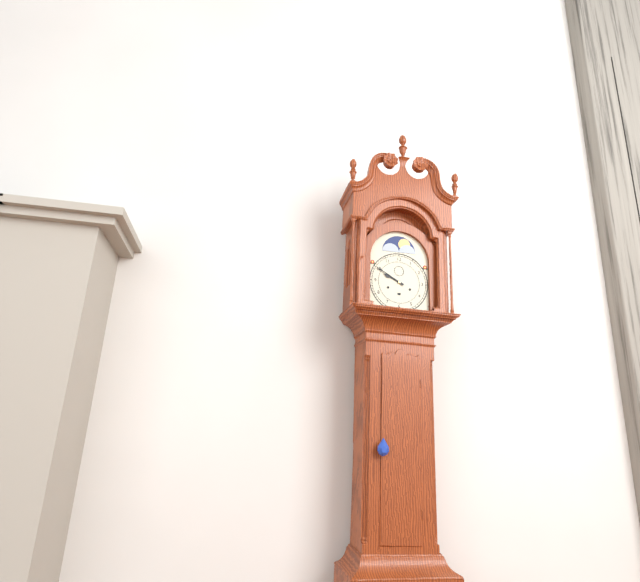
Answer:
9:50
